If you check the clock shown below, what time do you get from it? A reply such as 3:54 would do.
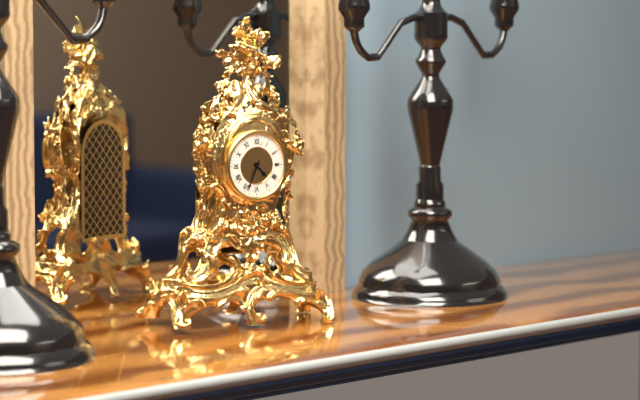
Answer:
4:34
